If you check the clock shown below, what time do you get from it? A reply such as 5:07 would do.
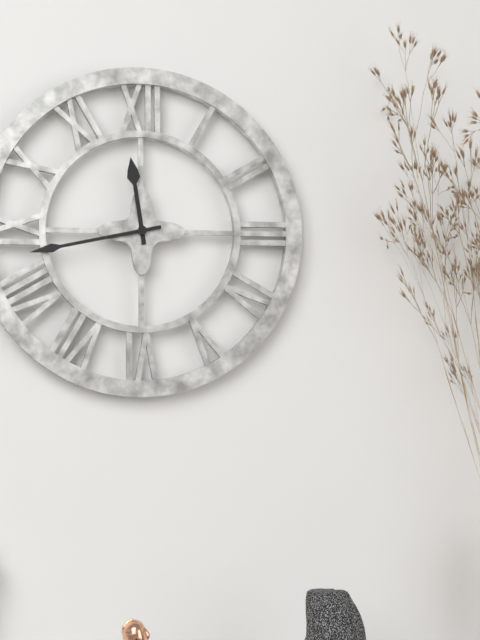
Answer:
11:43
